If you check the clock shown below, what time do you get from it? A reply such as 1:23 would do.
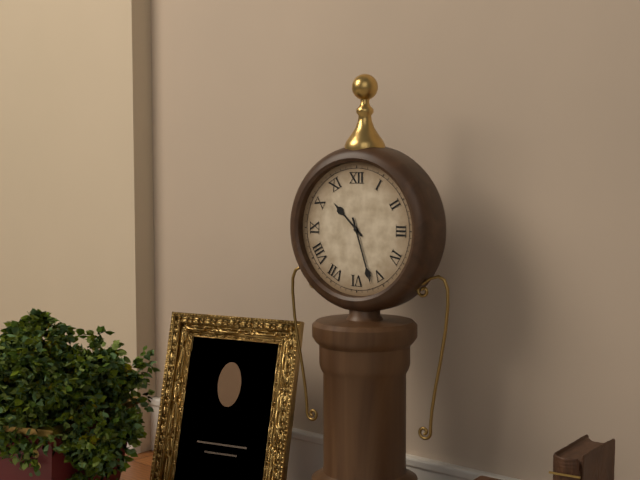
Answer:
10:27
